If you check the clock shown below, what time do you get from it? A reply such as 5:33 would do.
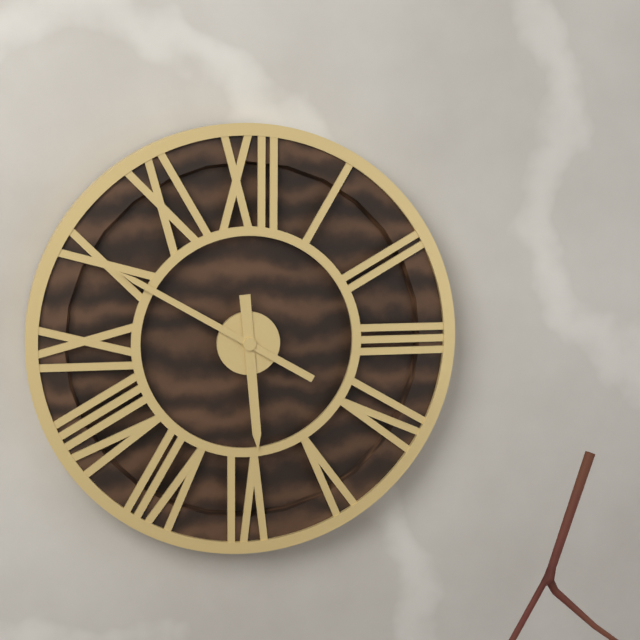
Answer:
5:50
